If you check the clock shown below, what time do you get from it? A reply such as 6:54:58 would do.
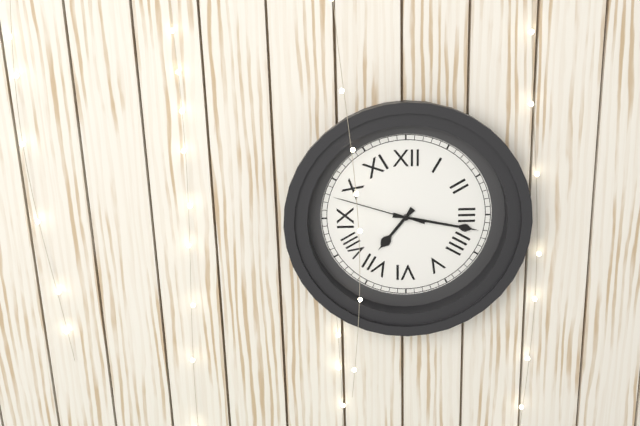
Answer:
7:17:48
